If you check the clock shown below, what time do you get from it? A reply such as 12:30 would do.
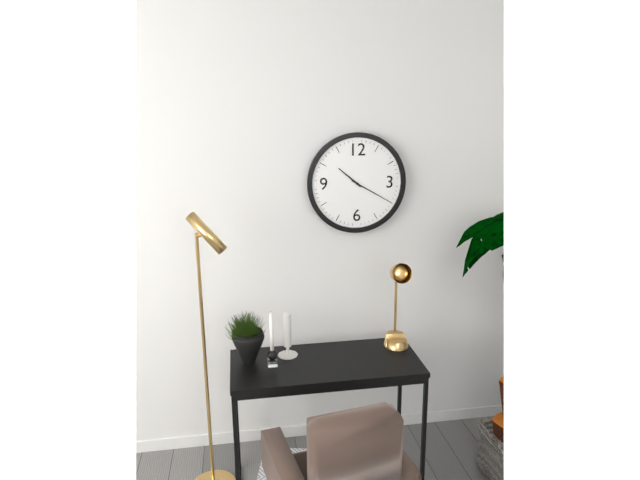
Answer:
10:20
